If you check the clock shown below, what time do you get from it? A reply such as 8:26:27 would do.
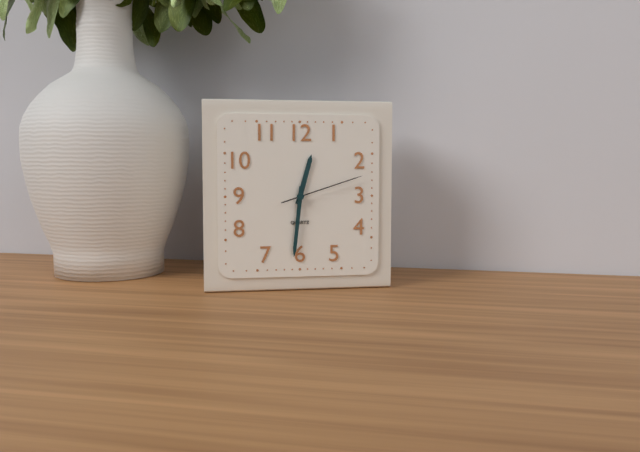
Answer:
12:31:12
